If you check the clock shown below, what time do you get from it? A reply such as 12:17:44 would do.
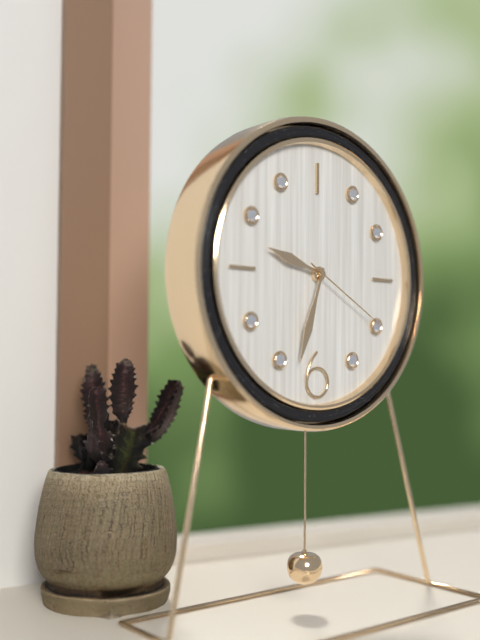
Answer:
9:33:20
